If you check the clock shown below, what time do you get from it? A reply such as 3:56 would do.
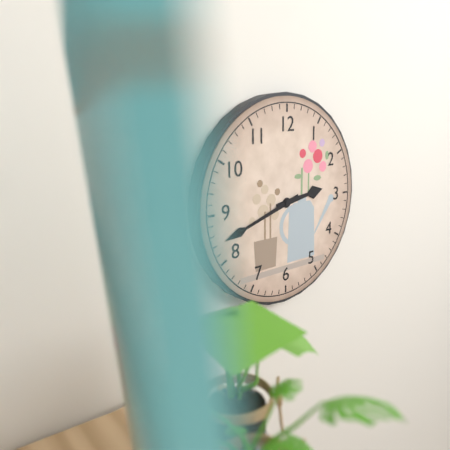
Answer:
2:42
